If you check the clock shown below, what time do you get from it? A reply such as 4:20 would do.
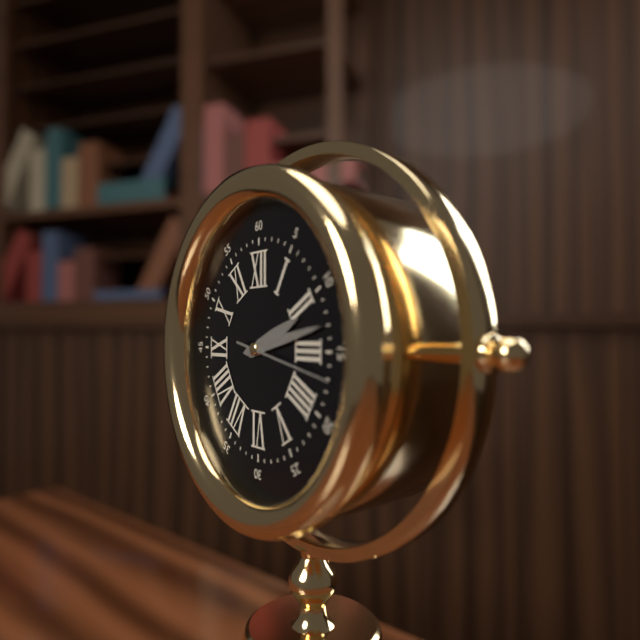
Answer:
2:13
